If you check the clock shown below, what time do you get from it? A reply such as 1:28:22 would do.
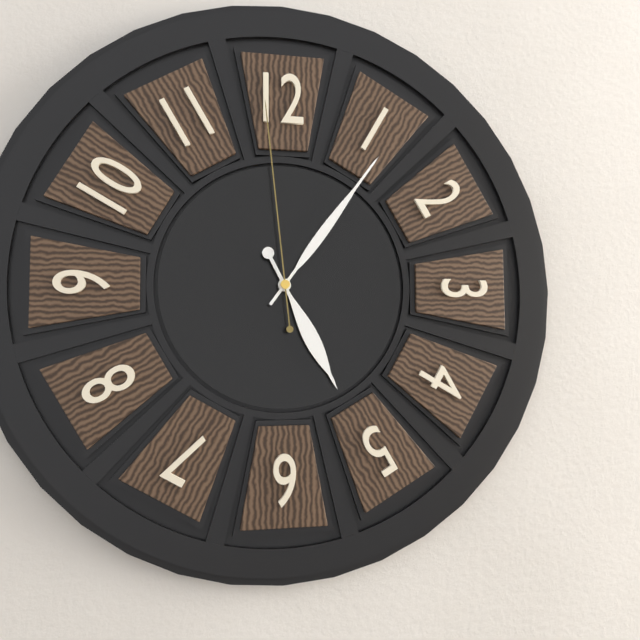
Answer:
5:06:59
